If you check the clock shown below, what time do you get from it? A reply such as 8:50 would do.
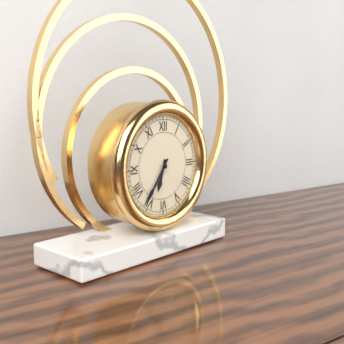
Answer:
6:36
